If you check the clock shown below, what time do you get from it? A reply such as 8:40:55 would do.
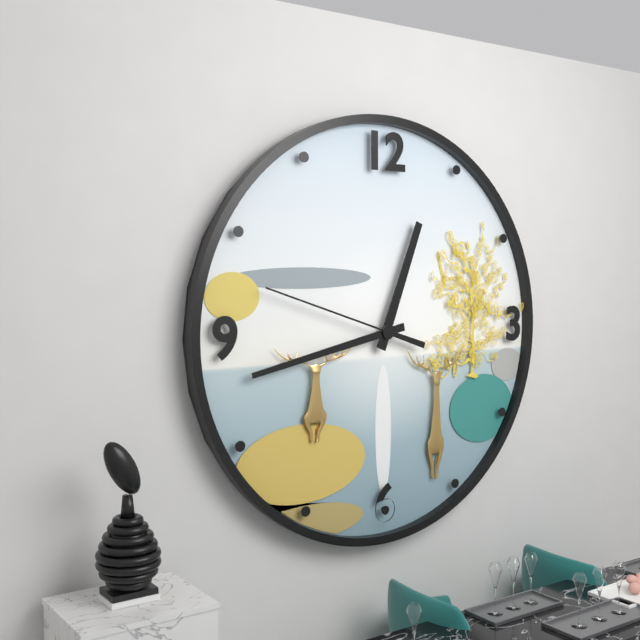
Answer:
12:43:48
